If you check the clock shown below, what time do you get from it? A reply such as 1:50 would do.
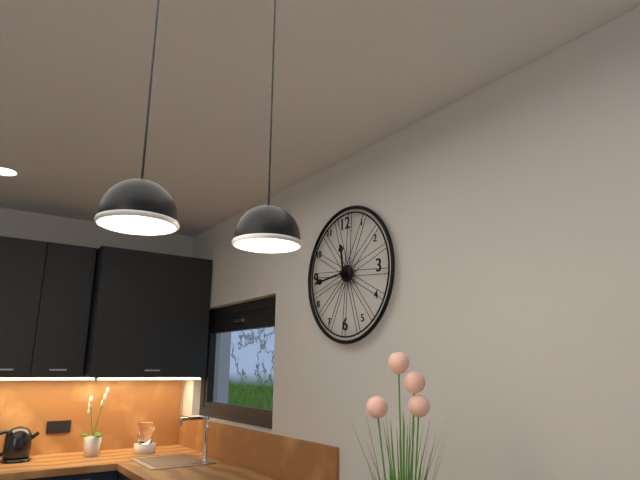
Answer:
11:44
